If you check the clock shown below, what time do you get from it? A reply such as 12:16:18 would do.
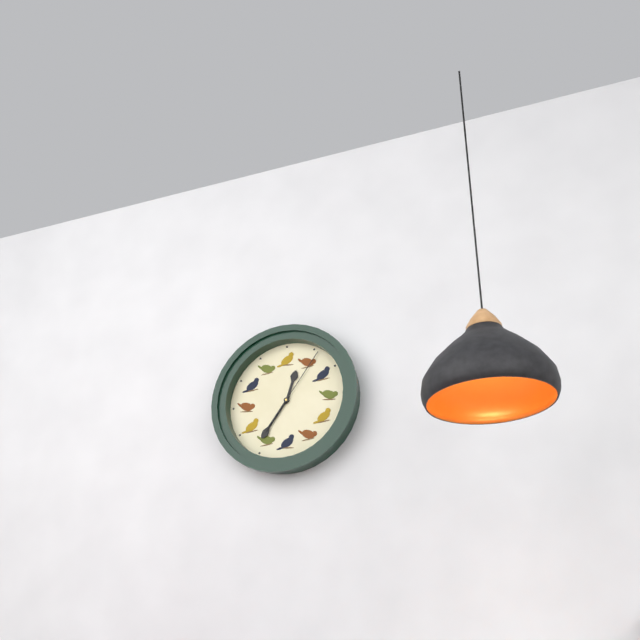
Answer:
12:36:06
